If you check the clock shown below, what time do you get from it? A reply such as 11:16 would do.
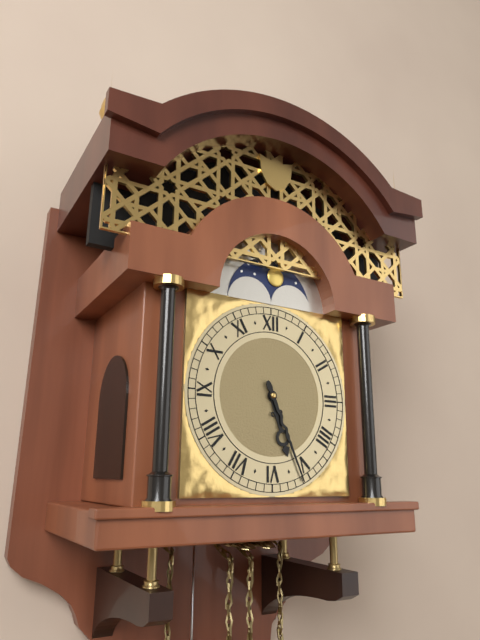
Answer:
5:26
